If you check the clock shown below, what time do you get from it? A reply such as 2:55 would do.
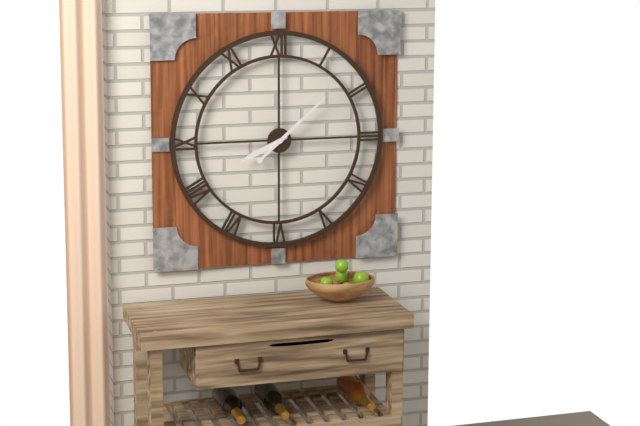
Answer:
8:08
